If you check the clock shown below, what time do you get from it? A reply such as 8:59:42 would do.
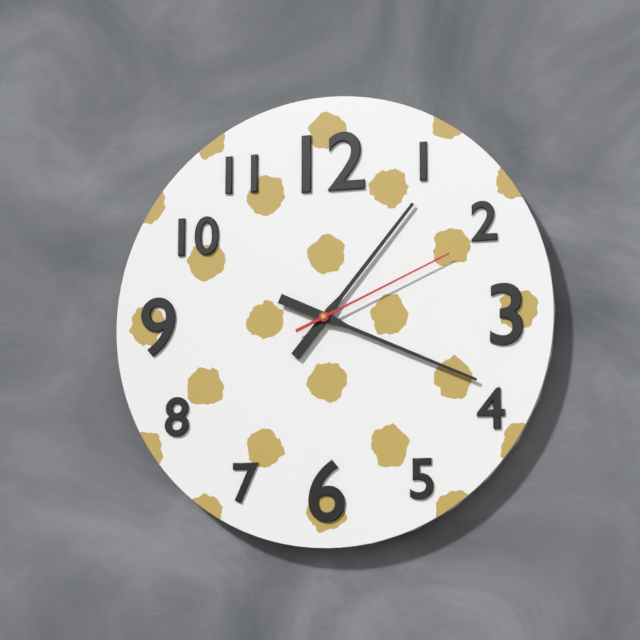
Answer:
1:19:11
